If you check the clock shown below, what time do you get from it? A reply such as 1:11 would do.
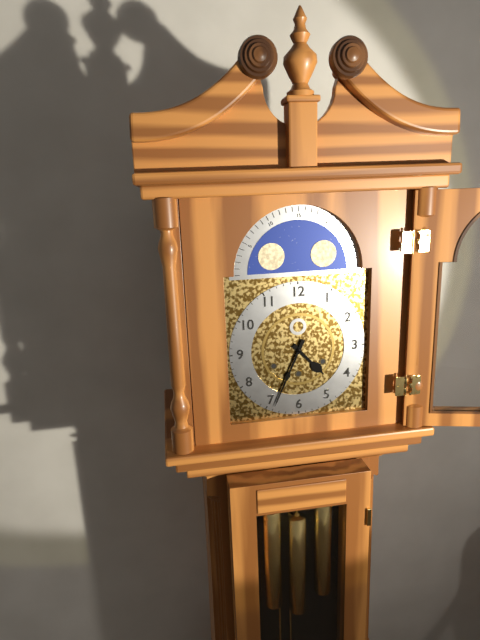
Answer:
4:34
